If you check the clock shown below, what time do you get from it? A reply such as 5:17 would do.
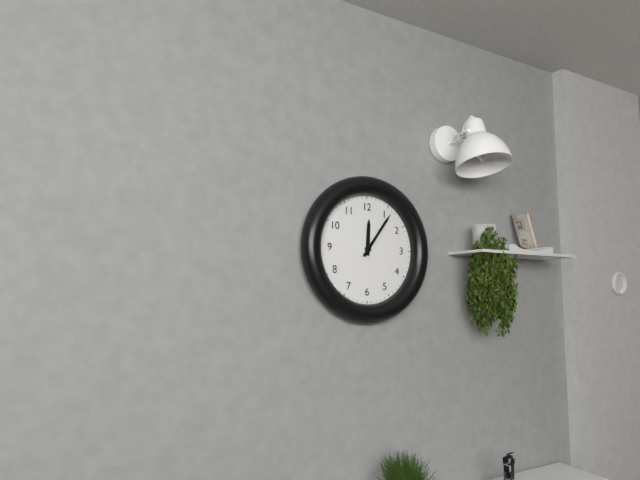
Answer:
12:06
